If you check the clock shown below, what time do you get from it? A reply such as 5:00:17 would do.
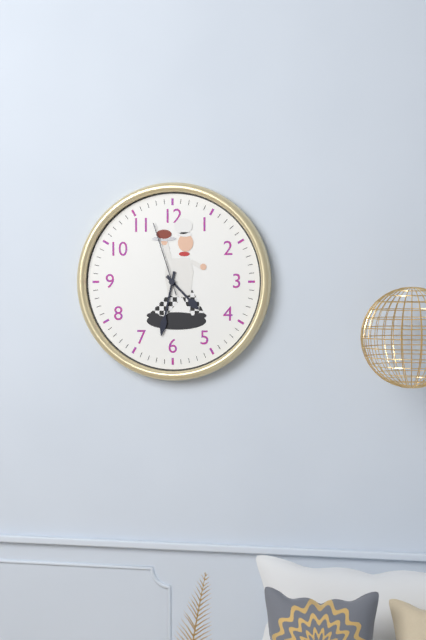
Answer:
4:32:57
